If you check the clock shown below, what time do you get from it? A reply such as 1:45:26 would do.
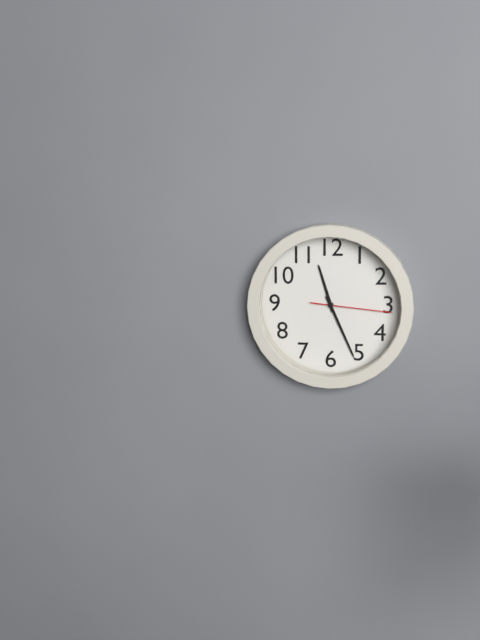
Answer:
11:26:16
